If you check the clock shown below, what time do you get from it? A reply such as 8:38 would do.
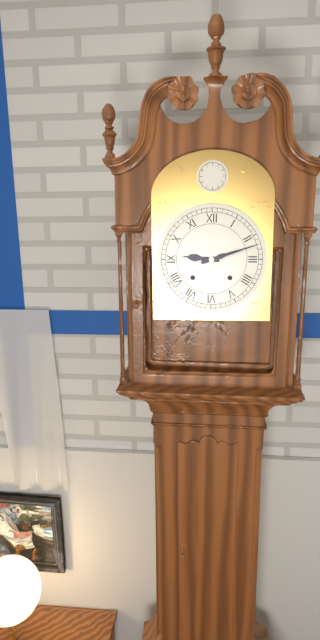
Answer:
9:12
